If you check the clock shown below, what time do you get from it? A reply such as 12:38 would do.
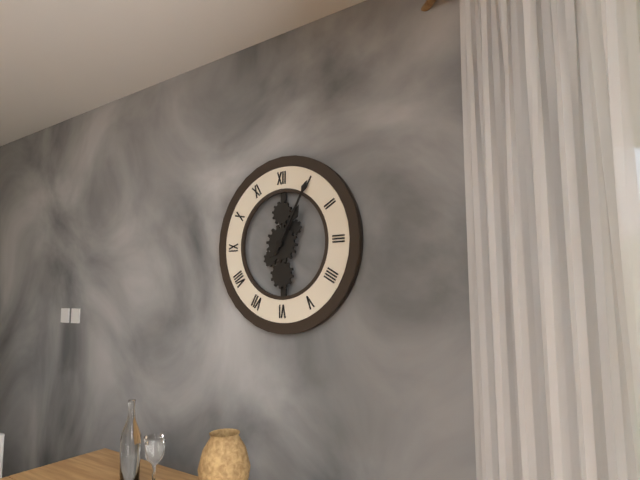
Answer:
1:05
